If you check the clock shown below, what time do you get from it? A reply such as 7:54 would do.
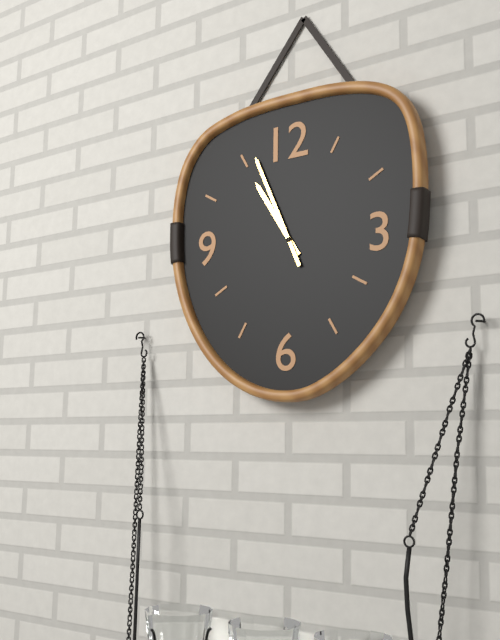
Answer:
10:56
